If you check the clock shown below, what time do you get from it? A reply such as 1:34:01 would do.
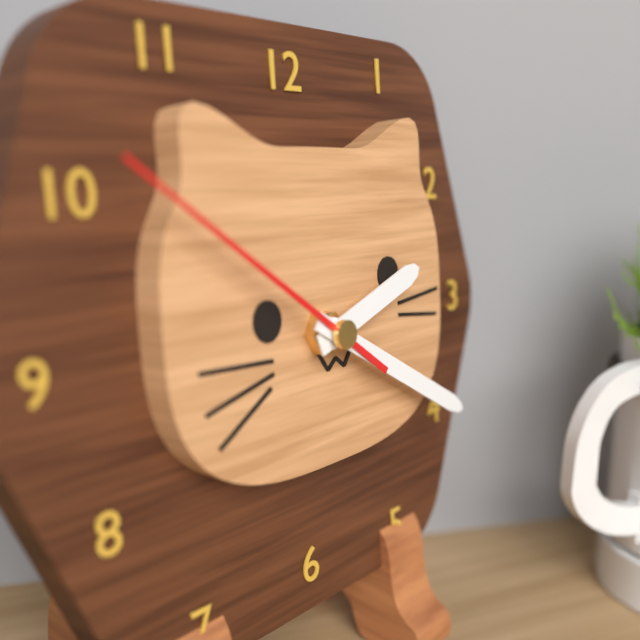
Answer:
2:20:51
